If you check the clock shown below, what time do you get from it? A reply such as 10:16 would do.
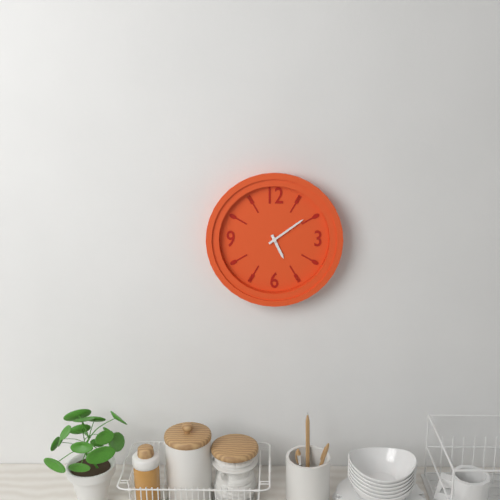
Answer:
5:09
